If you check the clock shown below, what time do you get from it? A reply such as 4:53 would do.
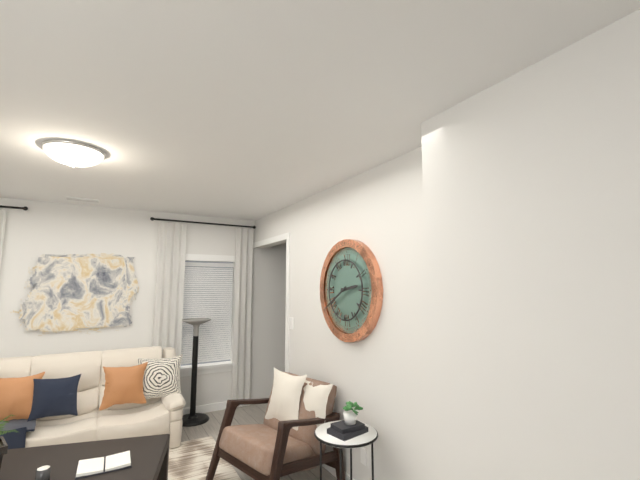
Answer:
2:40
